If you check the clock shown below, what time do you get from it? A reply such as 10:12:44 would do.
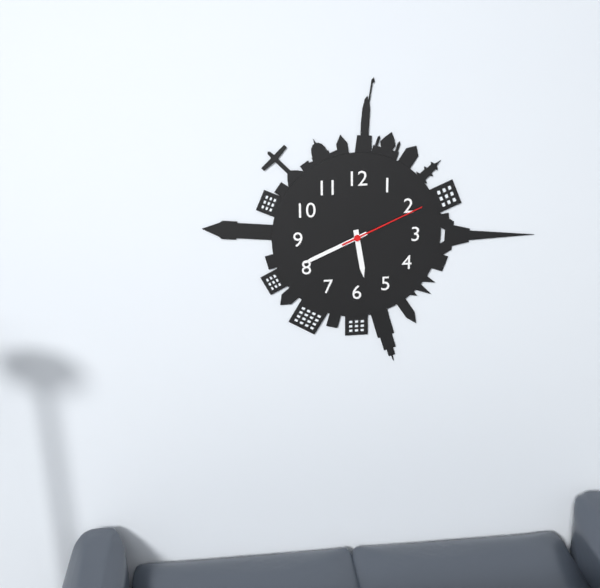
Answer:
5:41:11
